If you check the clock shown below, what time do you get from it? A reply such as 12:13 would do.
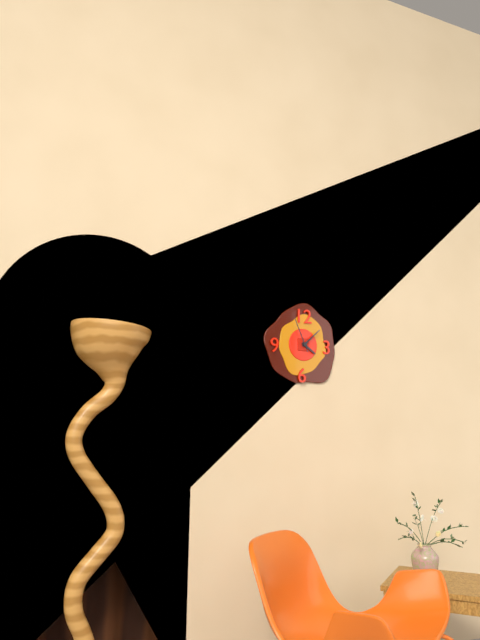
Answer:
4:08
